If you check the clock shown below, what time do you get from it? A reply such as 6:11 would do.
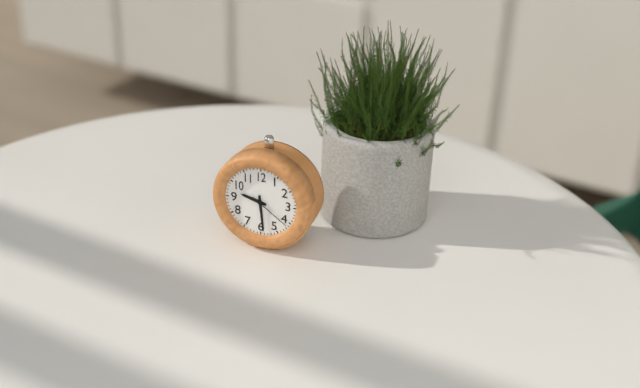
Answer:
9:29
